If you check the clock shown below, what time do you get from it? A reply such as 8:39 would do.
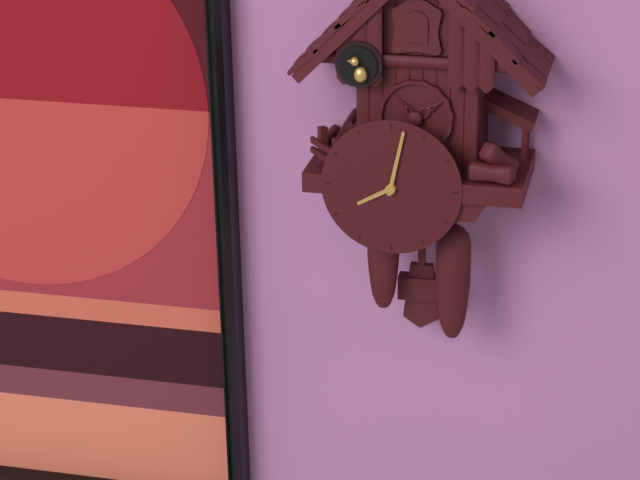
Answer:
8:02
